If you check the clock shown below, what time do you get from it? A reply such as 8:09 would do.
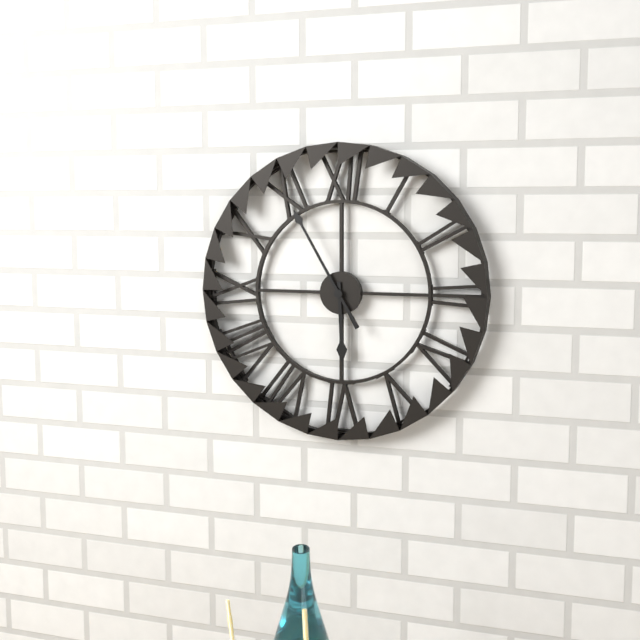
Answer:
5:55
